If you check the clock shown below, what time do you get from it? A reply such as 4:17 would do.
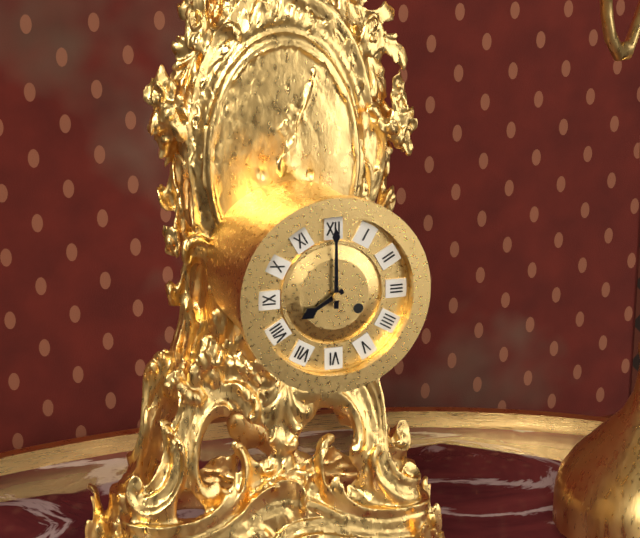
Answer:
8:00
